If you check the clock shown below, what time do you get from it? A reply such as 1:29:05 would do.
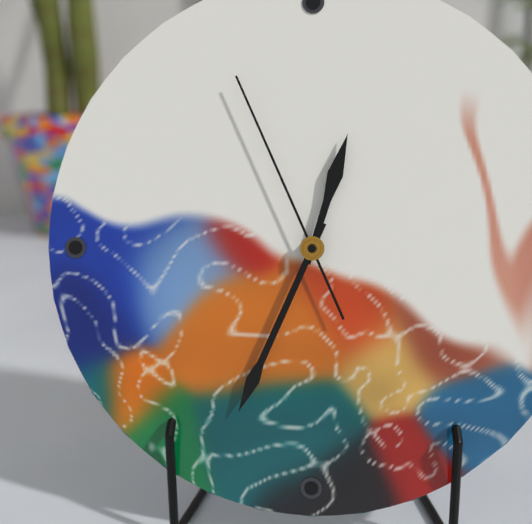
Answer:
12:34:56
